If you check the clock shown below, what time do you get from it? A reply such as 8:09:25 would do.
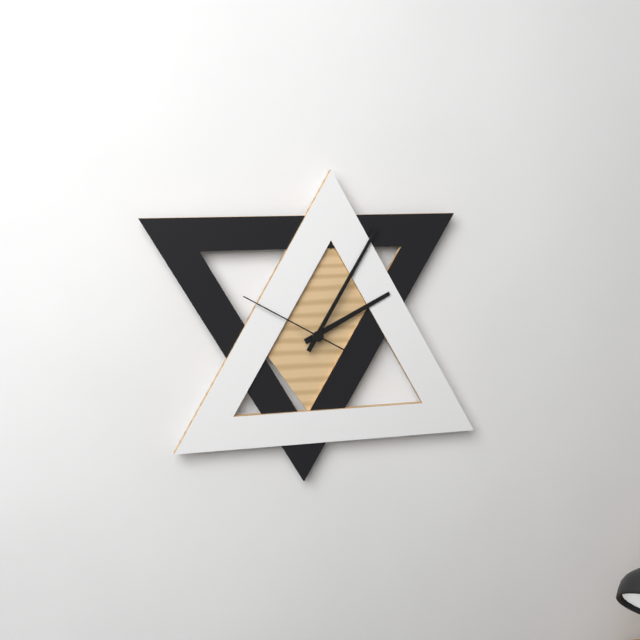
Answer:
2:05:50
